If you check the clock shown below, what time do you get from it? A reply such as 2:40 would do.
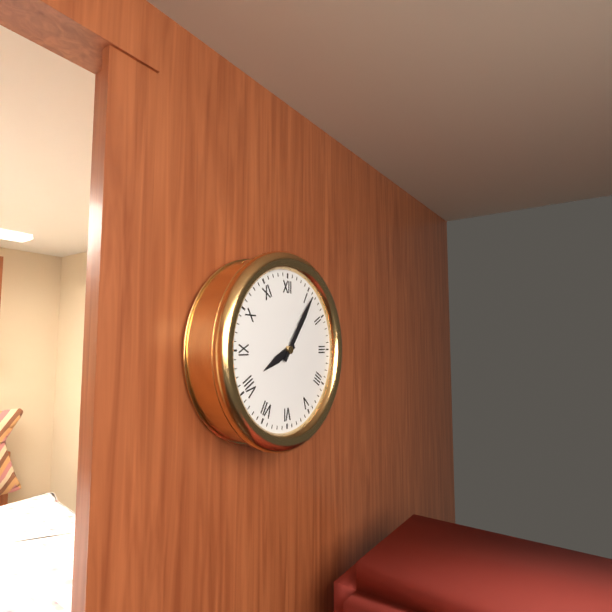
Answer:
8:06
